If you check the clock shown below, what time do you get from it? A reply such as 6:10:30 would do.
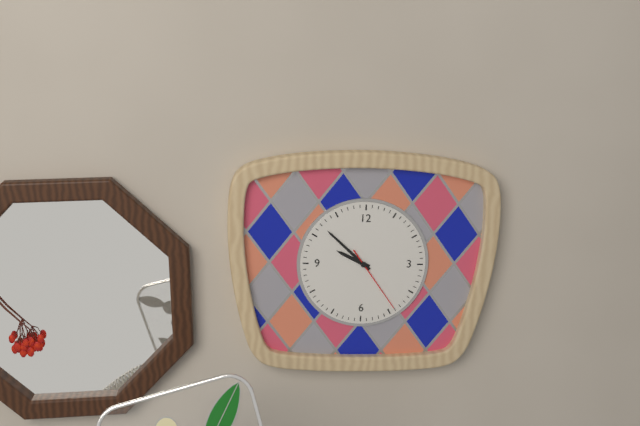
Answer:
9:52:24
